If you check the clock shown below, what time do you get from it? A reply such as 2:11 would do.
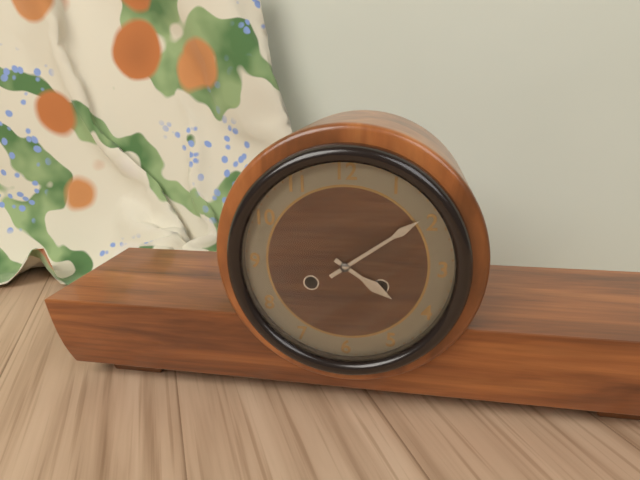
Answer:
4:09
